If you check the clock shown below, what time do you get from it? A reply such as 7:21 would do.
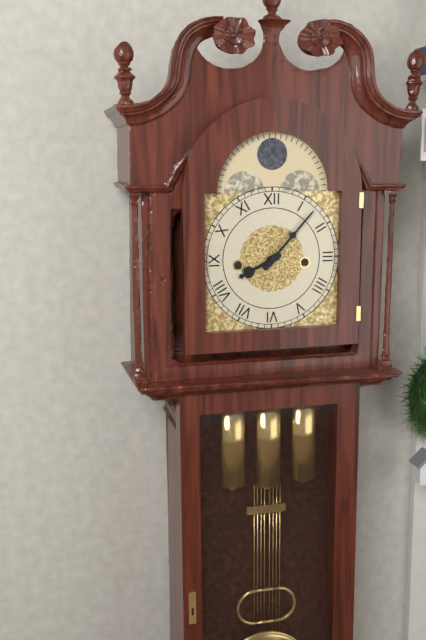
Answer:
8:07
